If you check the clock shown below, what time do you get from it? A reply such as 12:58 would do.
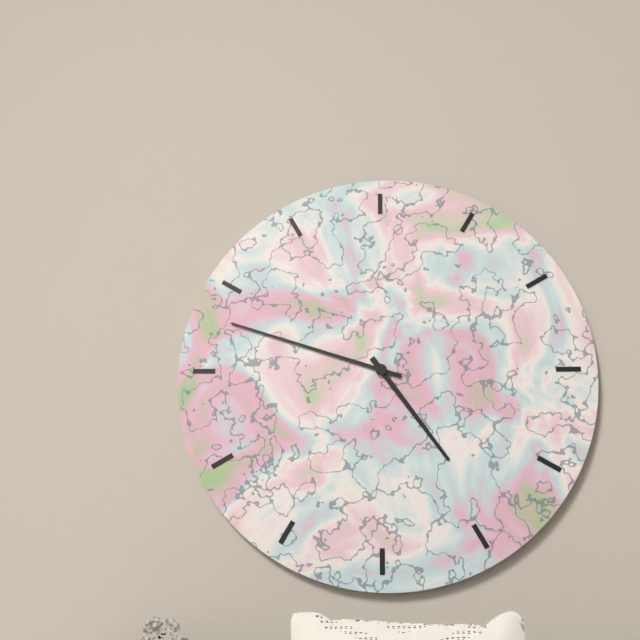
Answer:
4:48
